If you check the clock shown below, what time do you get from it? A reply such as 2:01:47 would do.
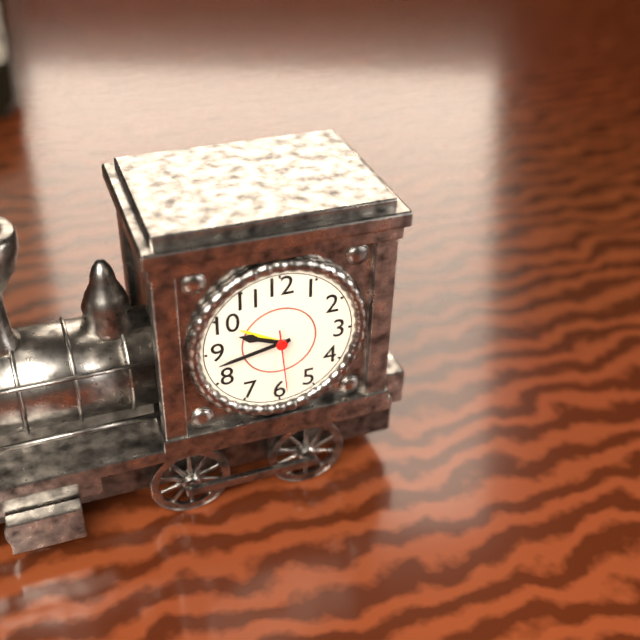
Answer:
9:43:29
